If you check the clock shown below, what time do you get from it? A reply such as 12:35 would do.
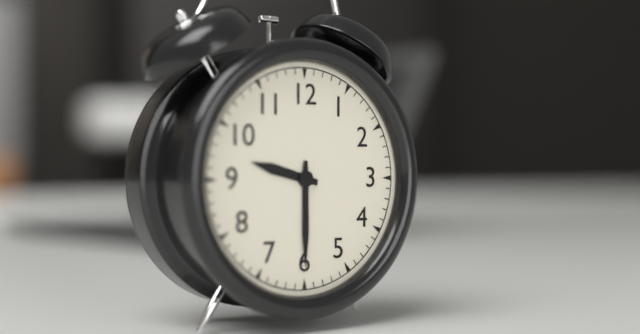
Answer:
9:30
